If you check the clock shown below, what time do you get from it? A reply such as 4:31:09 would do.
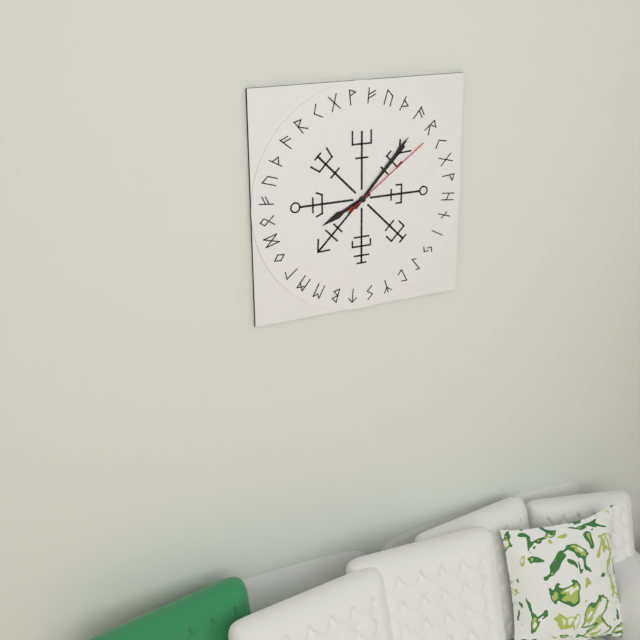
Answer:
8:07:09
